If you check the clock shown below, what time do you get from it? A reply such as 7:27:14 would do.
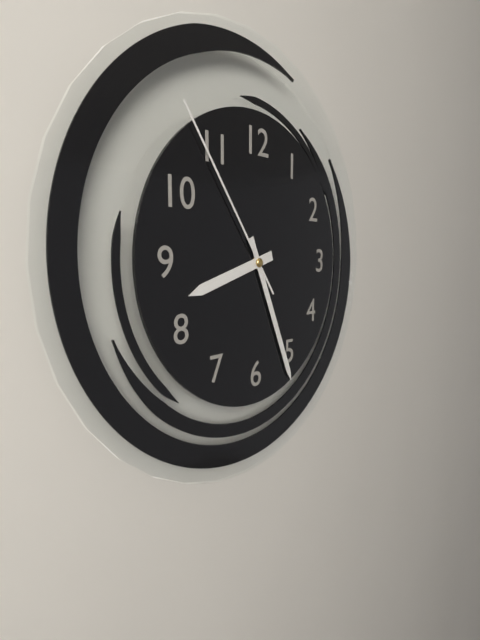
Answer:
8:26:54
